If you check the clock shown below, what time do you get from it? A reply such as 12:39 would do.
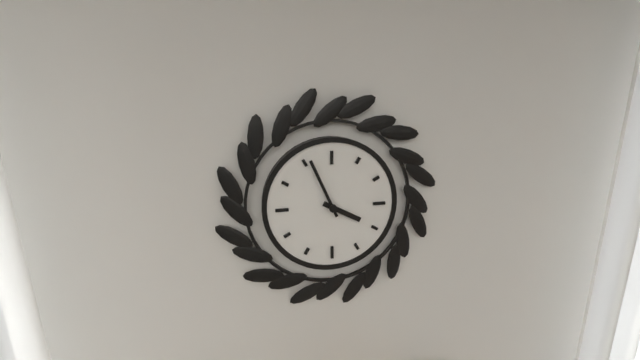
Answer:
3:56
